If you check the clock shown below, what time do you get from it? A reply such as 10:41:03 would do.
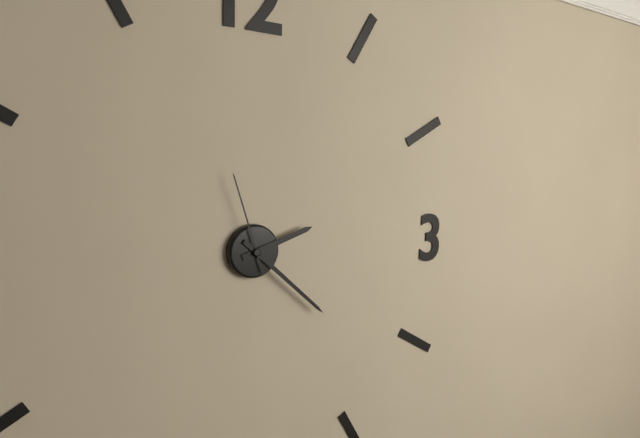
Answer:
2:22:57
